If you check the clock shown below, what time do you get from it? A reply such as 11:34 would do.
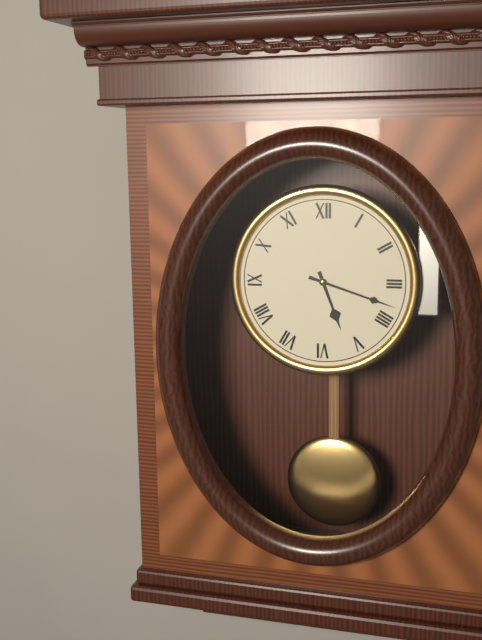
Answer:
5:18
